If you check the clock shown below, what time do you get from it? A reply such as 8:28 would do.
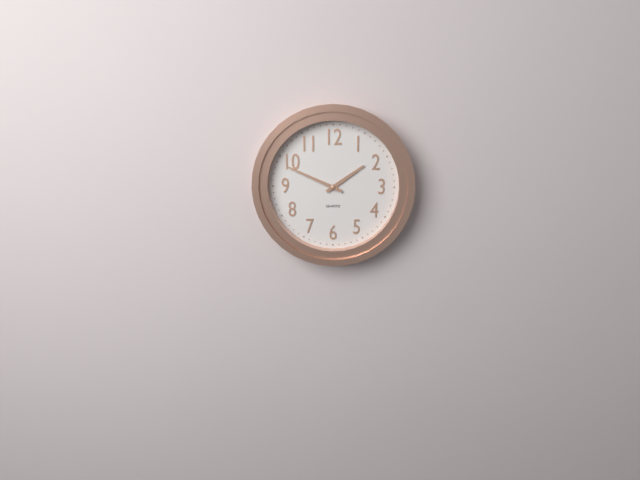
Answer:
1:49
